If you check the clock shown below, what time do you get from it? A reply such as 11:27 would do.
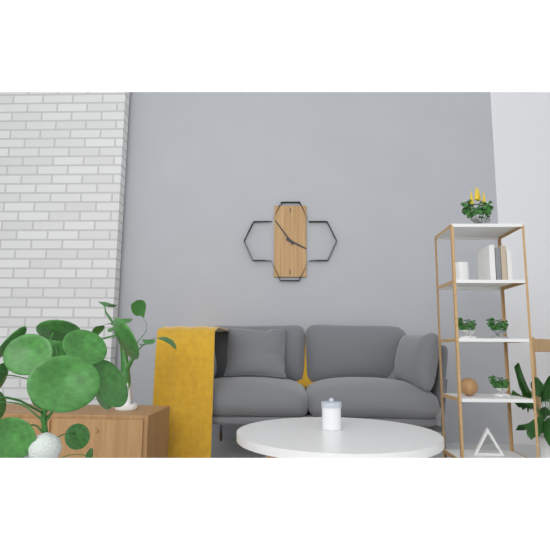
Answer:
3:54
